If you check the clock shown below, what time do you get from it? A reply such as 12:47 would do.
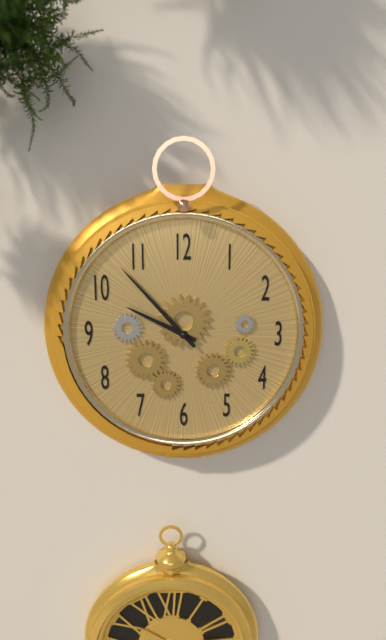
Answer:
9:53
